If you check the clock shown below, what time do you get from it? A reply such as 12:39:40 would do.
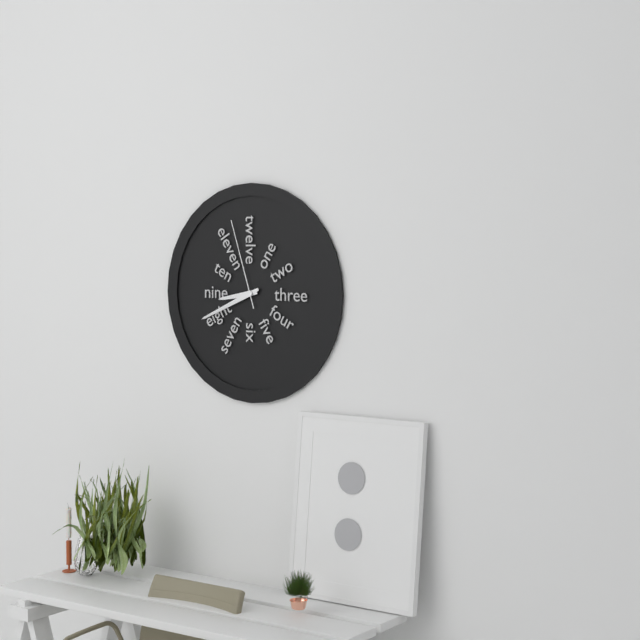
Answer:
8:41:57
